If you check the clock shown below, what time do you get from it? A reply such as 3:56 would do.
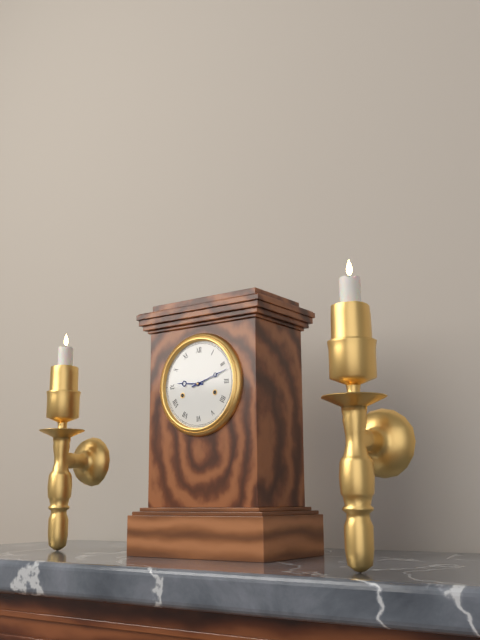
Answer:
9:12
